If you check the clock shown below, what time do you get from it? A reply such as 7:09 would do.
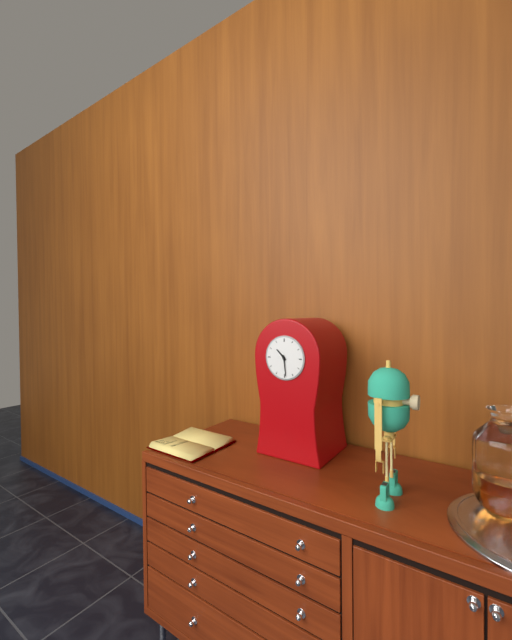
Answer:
10:29
